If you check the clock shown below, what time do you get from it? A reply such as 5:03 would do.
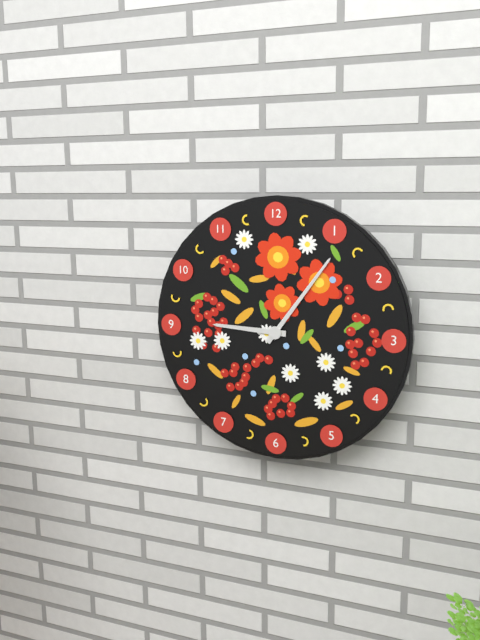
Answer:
9:06
